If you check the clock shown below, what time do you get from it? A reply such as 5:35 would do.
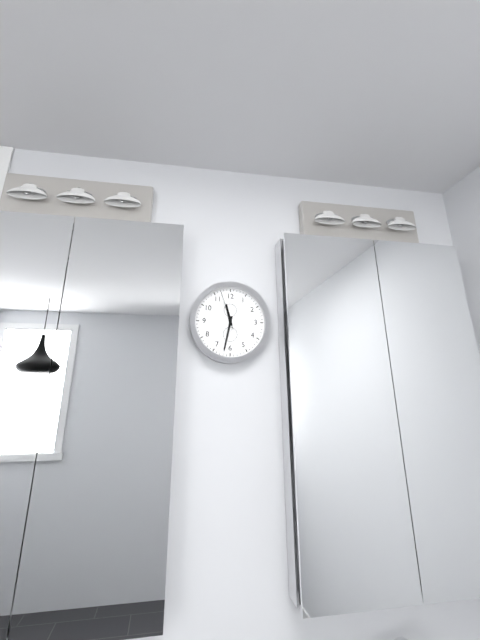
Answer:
11:32
